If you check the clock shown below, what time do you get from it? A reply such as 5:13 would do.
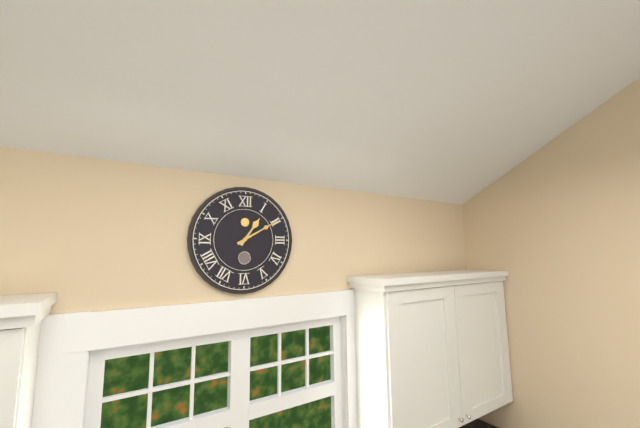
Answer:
1:10
